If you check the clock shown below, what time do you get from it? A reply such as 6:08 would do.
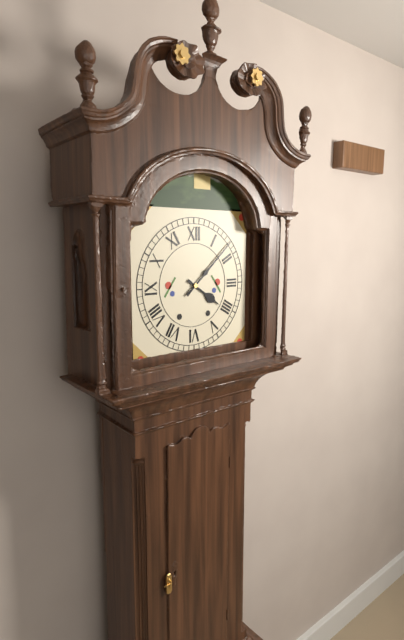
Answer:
4:08
